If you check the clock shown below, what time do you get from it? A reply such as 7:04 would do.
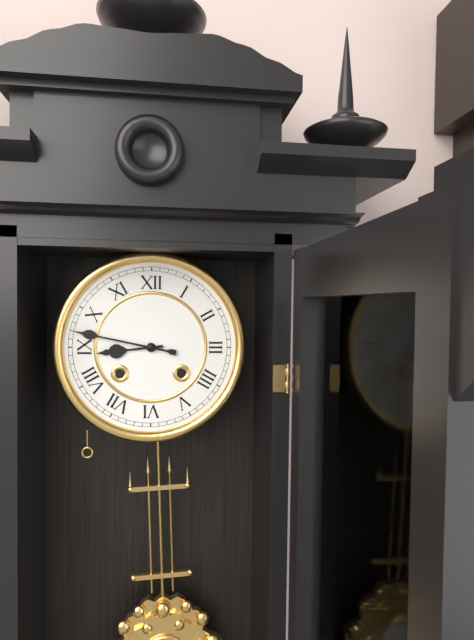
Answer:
8:47
